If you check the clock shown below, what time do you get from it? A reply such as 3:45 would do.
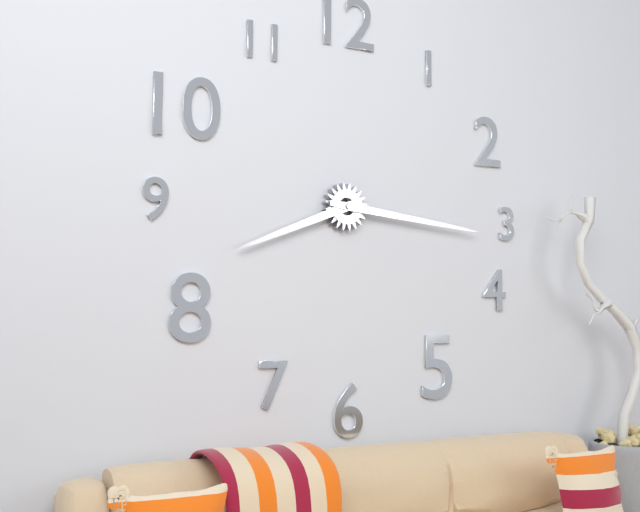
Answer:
8:16
